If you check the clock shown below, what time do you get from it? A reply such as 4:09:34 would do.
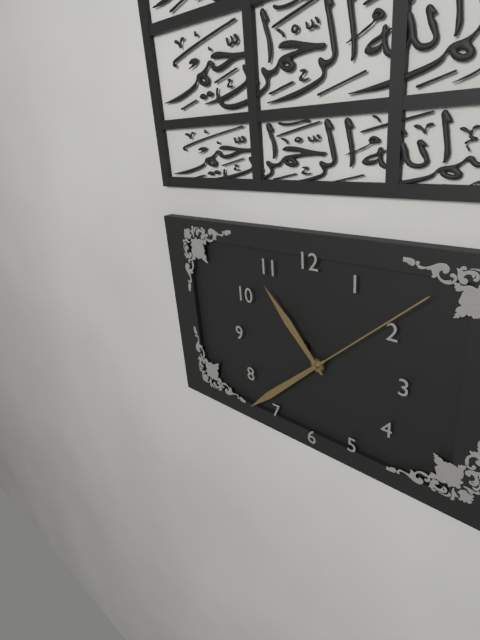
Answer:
10:38:08
